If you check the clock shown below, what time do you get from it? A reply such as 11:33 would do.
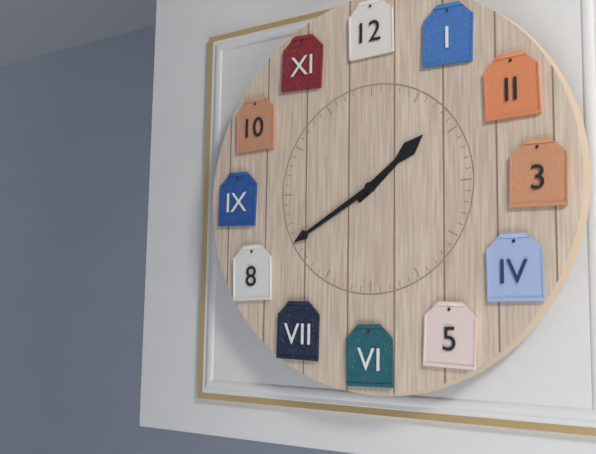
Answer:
1:40
